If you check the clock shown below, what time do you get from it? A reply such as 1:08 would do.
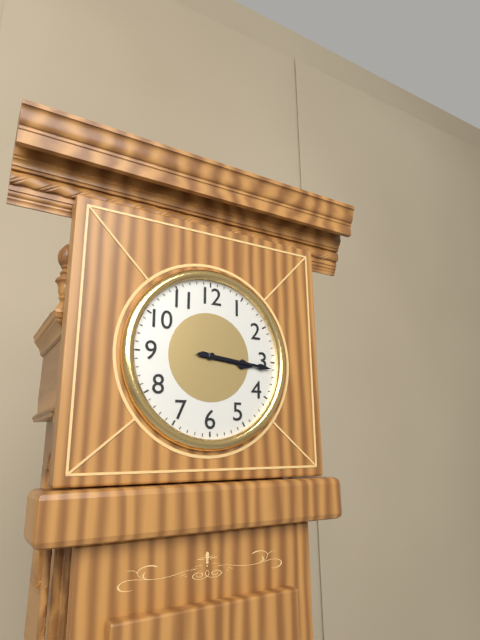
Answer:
3:16
